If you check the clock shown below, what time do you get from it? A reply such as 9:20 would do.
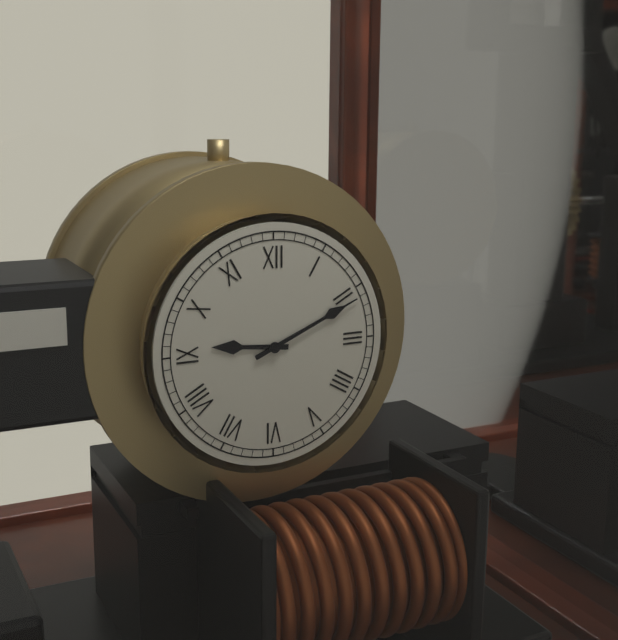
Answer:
9:11
